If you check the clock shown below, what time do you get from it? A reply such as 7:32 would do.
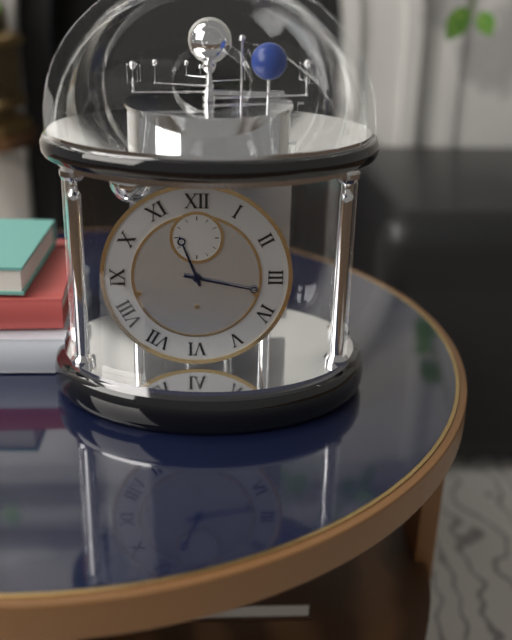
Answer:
11:17
